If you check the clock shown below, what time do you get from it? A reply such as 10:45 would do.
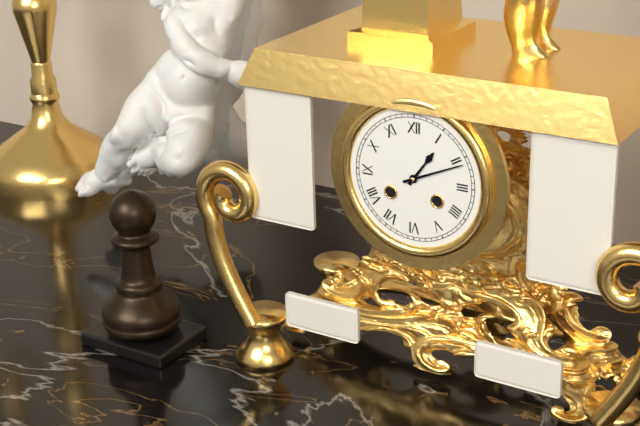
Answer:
1:11
